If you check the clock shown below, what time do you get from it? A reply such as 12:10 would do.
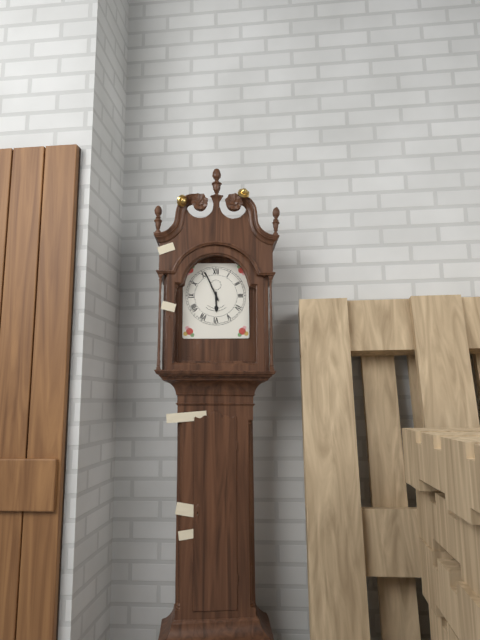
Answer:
5:56
